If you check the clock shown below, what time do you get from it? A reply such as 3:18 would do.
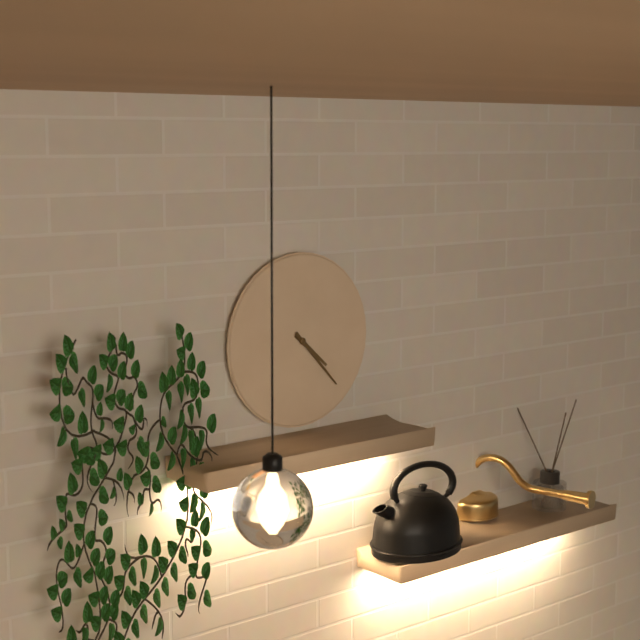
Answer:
4:23
